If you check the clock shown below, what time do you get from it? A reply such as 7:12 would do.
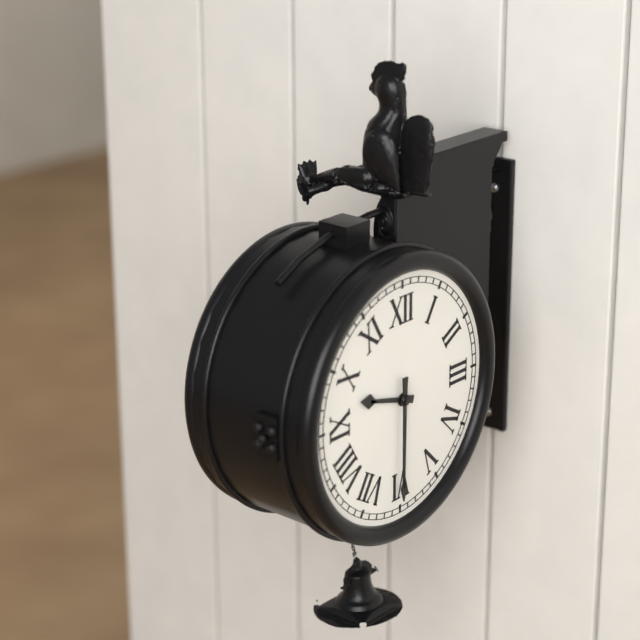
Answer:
9:30
